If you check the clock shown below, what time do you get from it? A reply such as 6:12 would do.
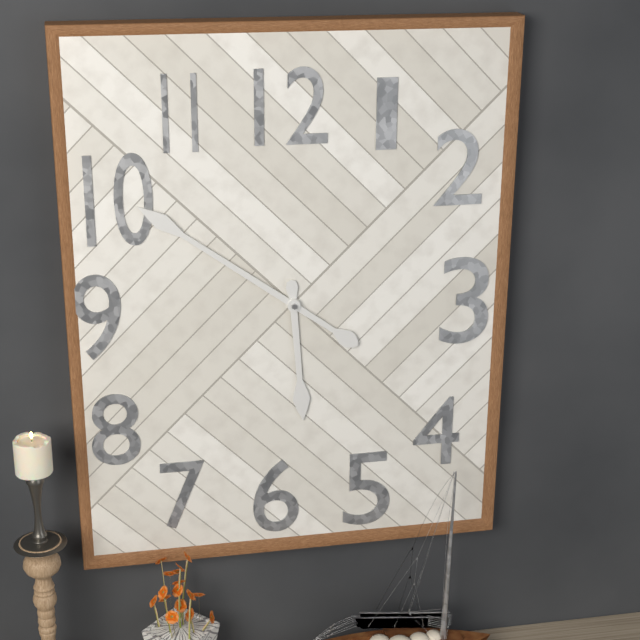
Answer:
5:51
